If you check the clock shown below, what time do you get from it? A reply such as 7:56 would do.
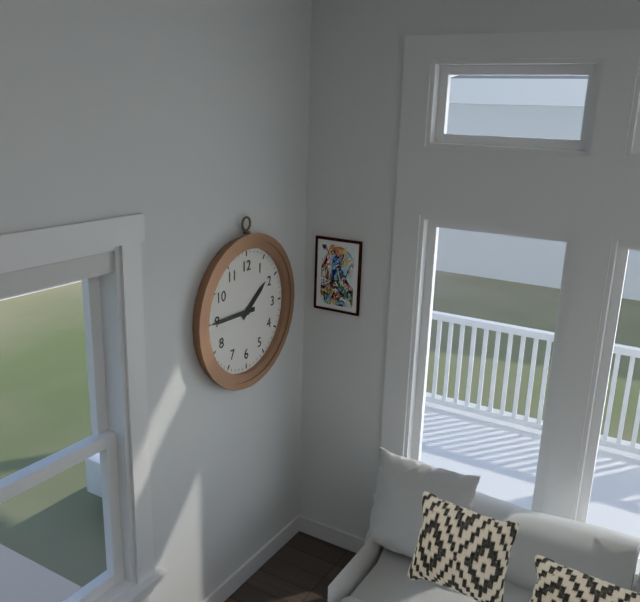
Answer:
1:45
